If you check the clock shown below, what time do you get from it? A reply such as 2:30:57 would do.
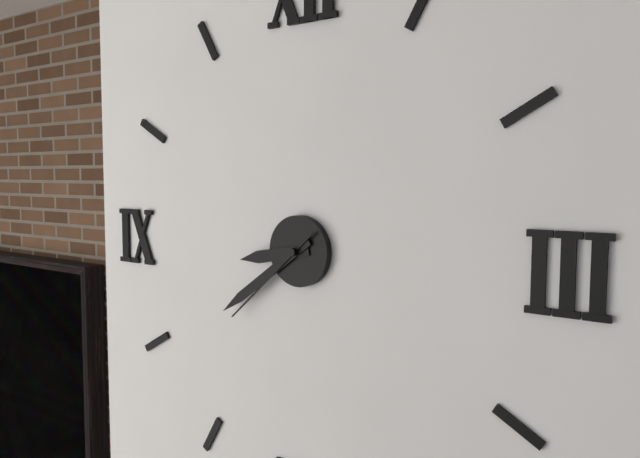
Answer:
8:39:38
